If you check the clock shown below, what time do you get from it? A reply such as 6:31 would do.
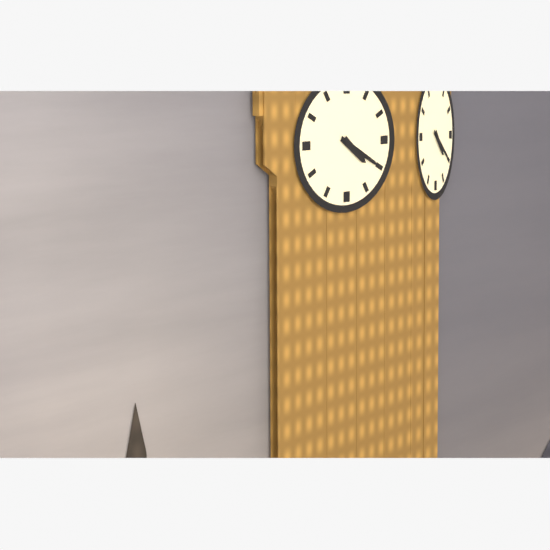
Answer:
4:20
